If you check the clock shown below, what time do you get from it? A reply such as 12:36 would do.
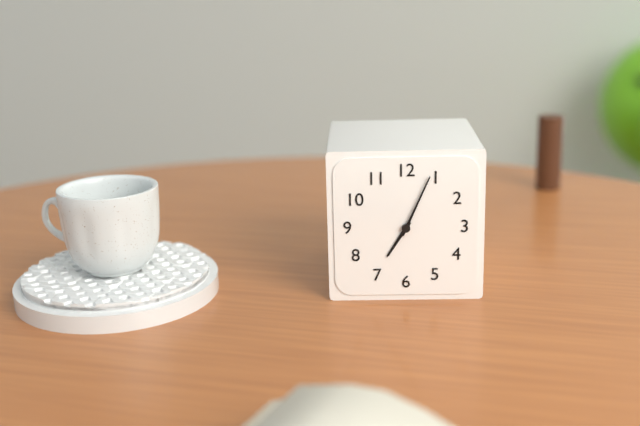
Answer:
7:04
